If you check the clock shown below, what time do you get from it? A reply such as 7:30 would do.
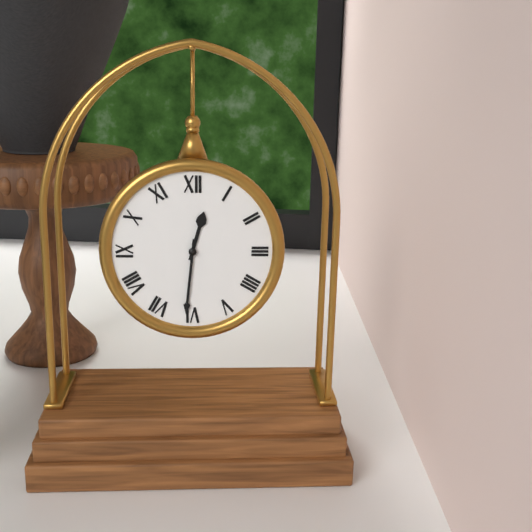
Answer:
12:31
